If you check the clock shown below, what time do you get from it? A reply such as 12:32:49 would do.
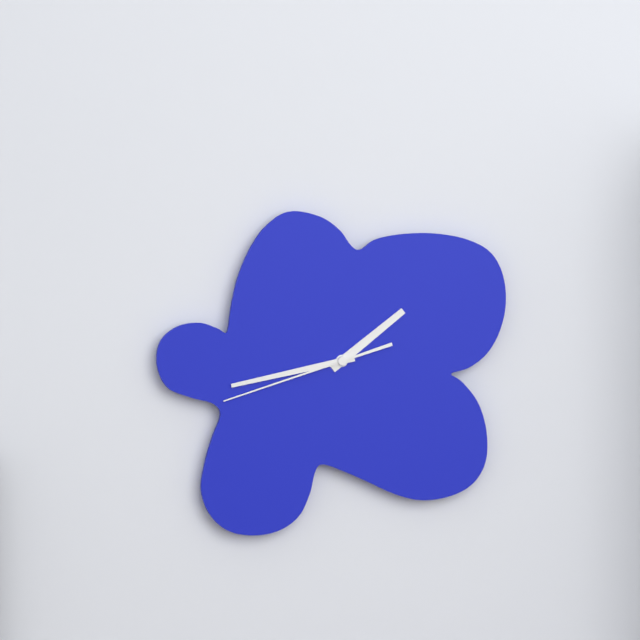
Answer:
1:43:42
